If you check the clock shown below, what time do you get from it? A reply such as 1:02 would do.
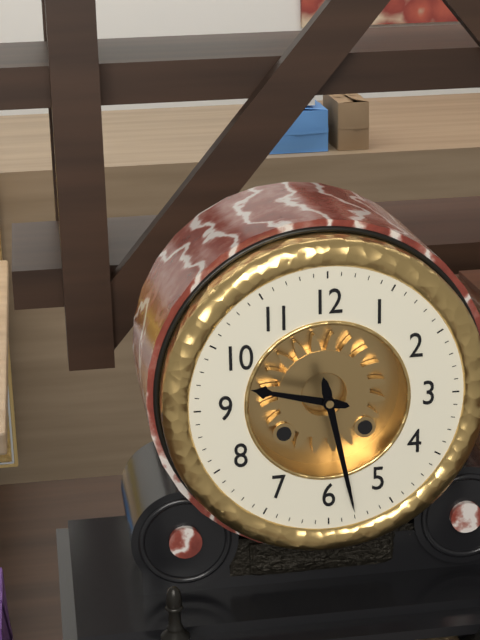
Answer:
9:28
